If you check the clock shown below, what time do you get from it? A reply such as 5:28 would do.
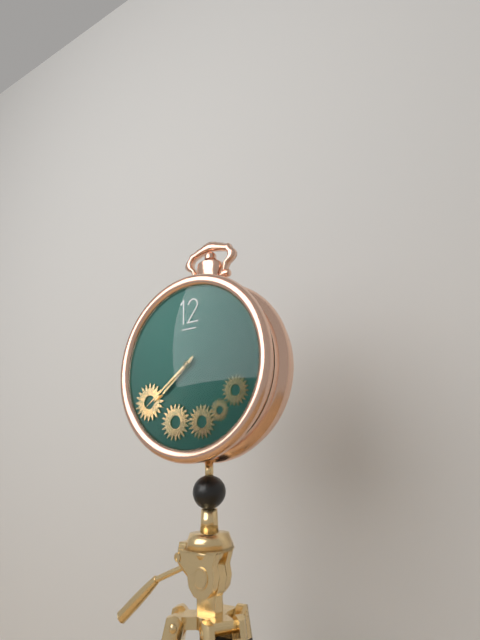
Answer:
7:39
